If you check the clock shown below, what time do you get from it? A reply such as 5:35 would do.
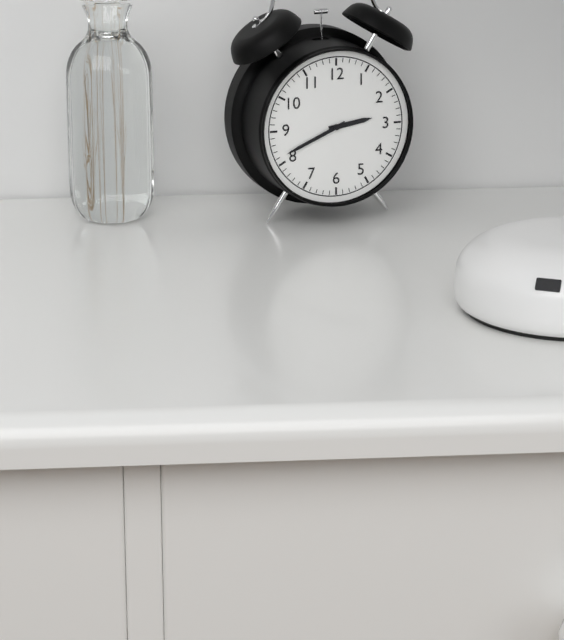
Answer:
2:41
